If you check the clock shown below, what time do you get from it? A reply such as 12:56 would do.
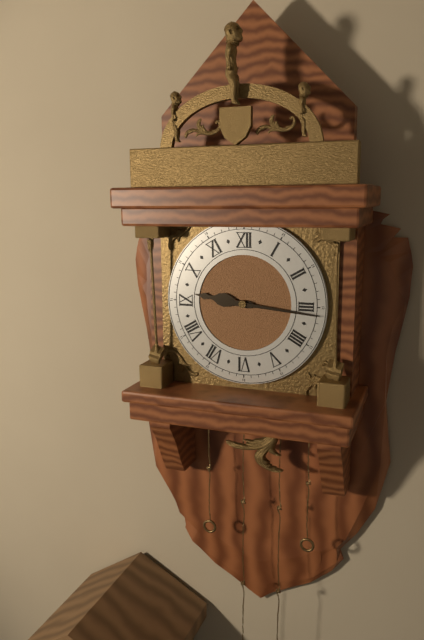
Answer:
9:16
